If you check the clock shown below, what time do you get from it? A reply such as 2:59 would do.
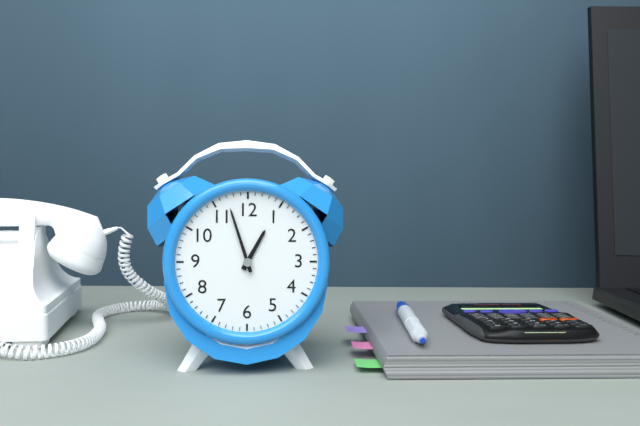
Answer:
12:57
